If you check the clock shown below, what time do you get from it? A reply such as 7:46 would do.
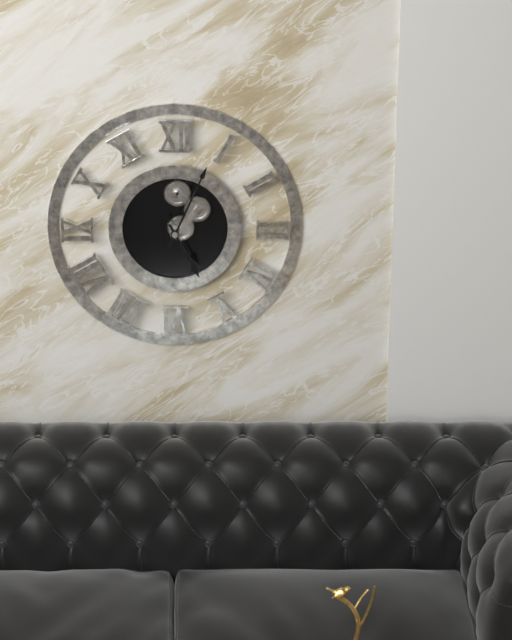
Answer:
5:04
